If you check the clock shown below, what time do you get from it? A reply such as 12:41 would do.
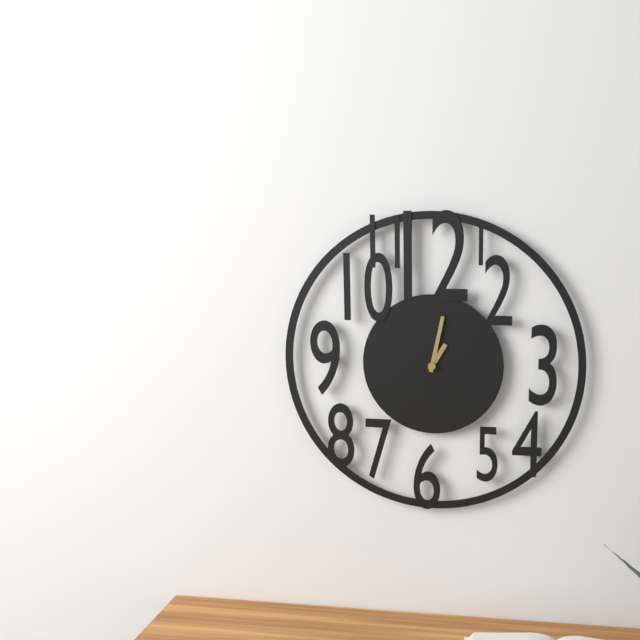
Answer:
1:02
